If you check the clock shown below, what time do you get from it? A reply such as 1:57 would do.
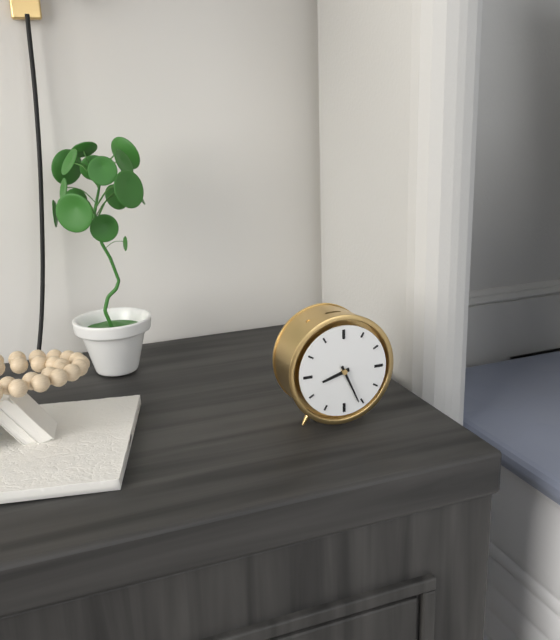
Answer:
8:26
